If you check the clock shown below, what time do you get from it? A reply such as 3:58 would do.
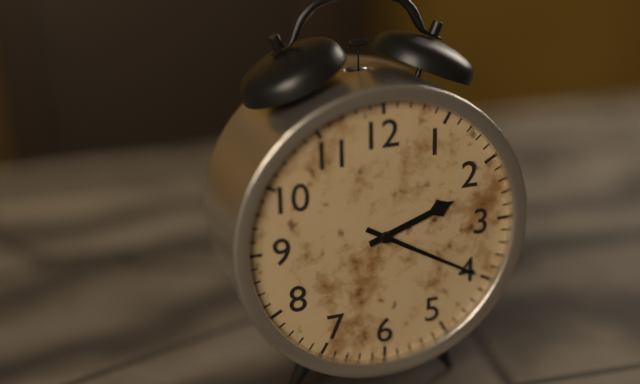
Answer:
2:20
